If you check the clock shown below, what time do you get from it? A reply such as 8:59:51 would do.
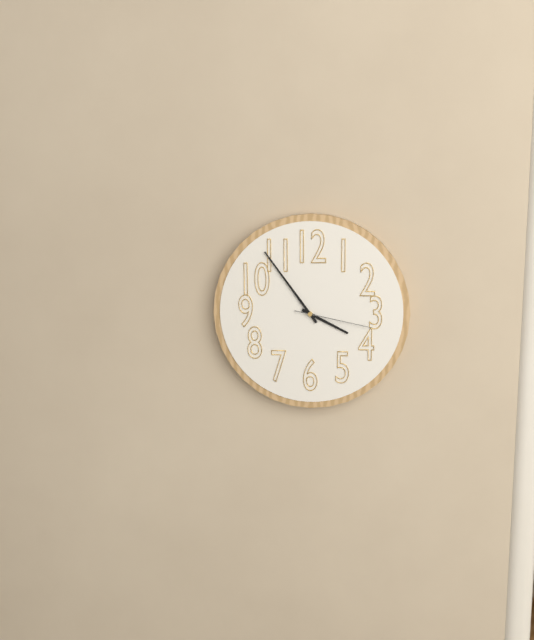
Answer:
3:54:17
